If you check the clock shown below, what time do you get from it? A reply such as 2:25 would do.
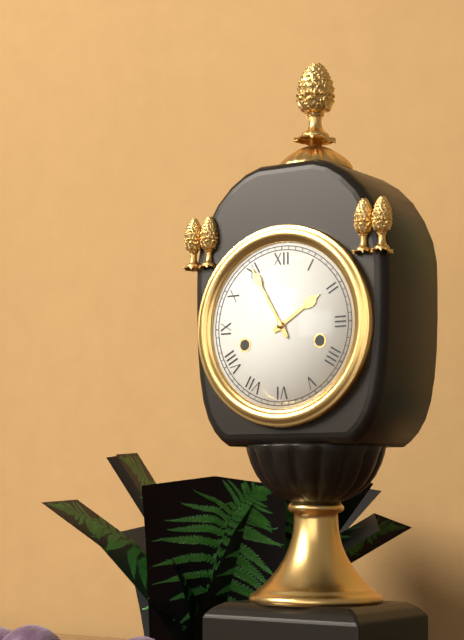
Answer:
1:55
